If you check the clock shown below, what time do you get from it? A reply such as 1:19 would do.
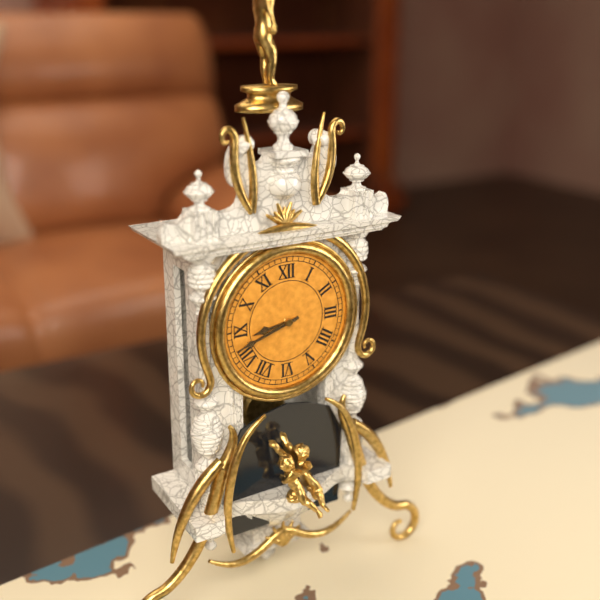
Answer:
8:42
